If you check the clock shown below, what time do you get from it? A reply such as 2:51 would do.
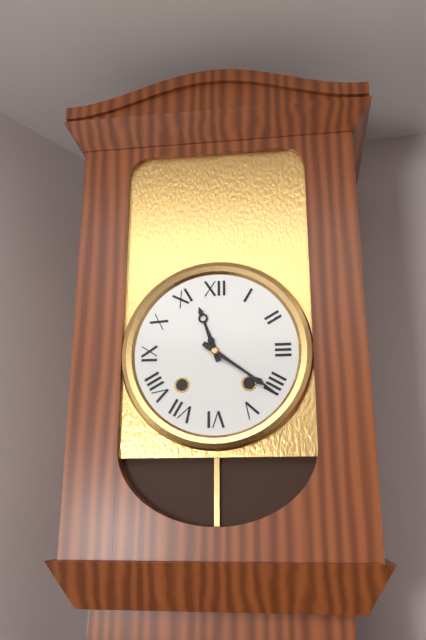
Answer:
11:21
